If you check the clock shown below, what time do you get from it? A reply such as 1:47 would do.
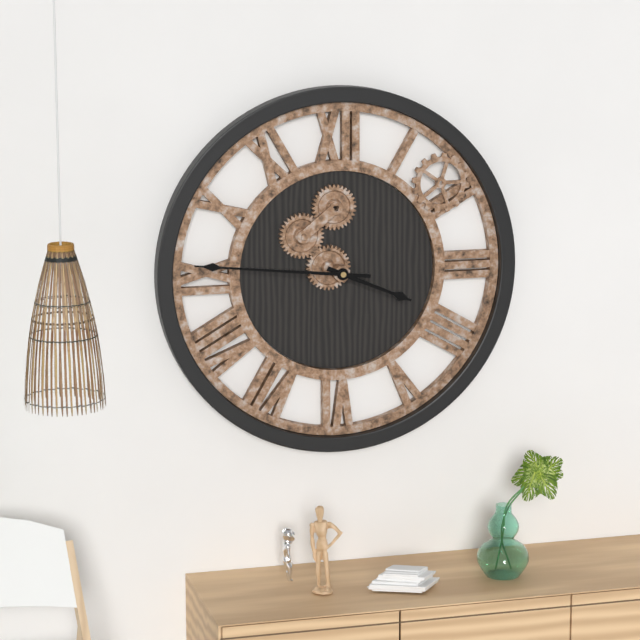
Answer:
3:46
